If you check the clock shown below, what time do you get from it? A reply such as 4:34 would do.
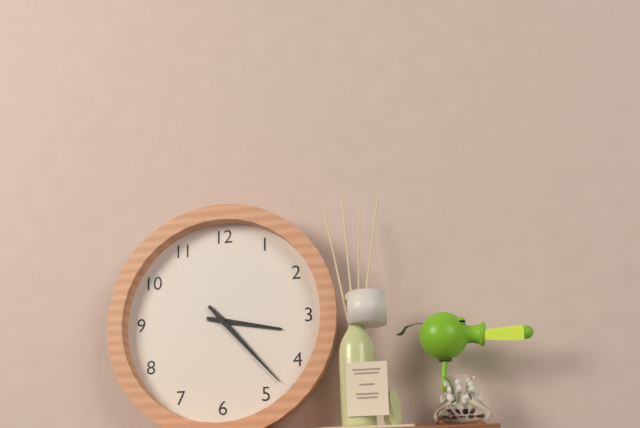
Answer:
3:23
